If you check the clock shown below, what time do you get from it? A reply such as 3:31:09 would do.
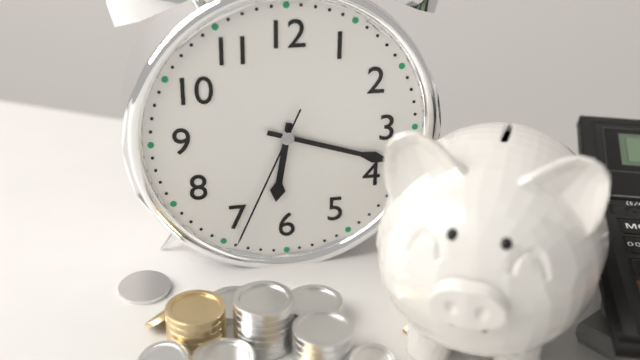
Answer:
6:18:34
